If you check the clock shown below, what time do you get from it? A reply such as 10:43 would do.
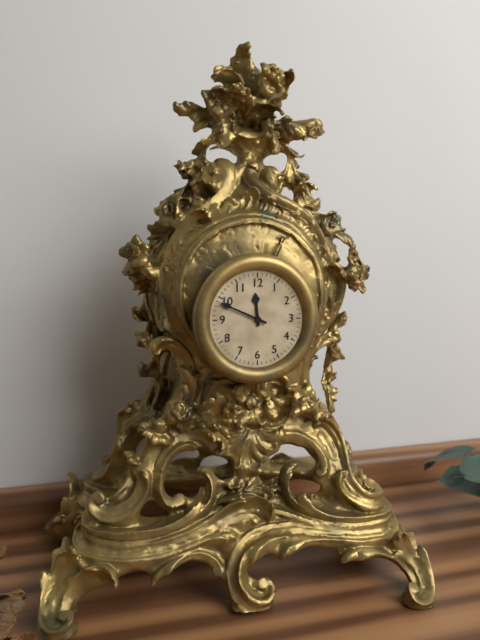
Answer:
11:49
